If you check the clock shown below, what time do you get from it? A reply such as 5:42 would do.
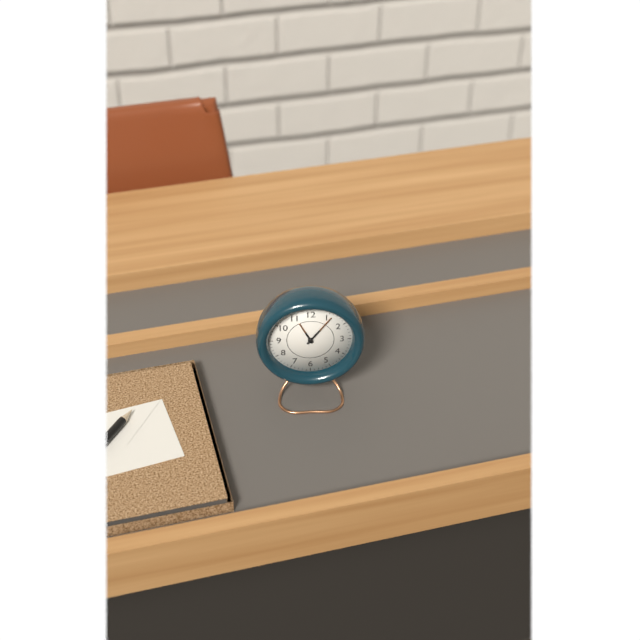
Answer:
11:06
